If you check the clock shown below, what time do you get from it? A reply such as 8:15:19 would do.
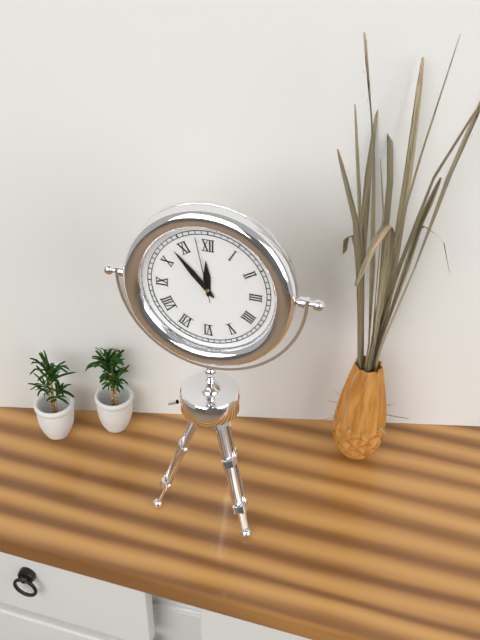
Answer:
11:53:58
